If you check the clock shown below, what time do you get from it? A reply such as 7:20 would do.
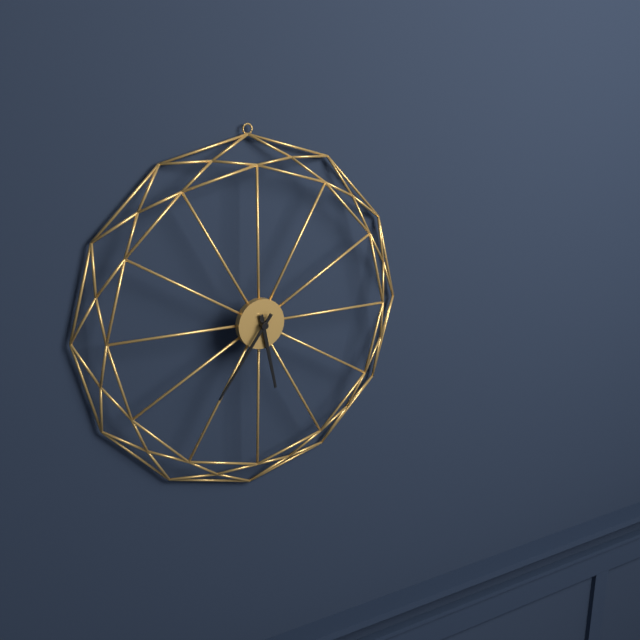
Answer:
5:36
